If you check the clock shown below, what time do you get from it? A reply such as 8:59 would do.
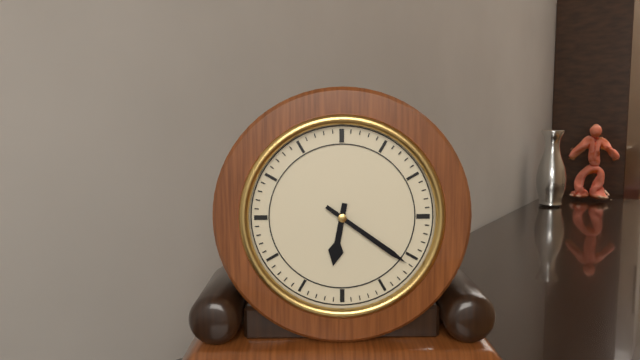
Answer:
6:21
